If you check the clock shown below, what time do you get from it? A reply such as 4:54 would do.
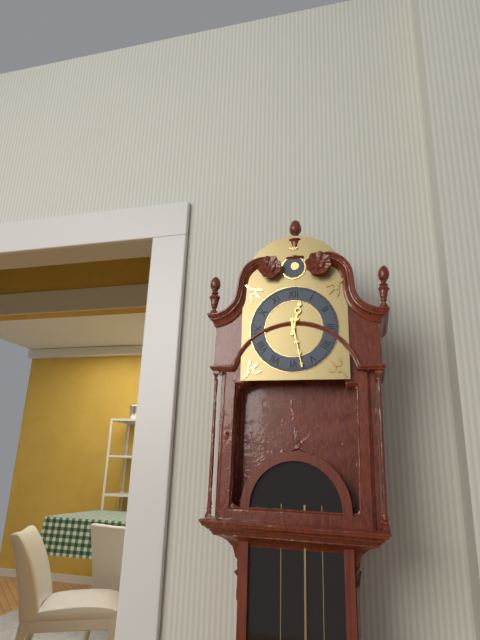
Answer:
12:28
